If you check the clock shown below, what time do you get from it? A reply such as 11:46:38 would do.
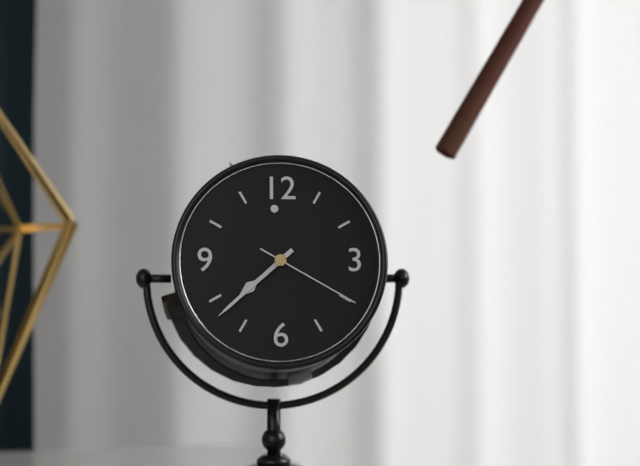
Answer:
7:38:20
